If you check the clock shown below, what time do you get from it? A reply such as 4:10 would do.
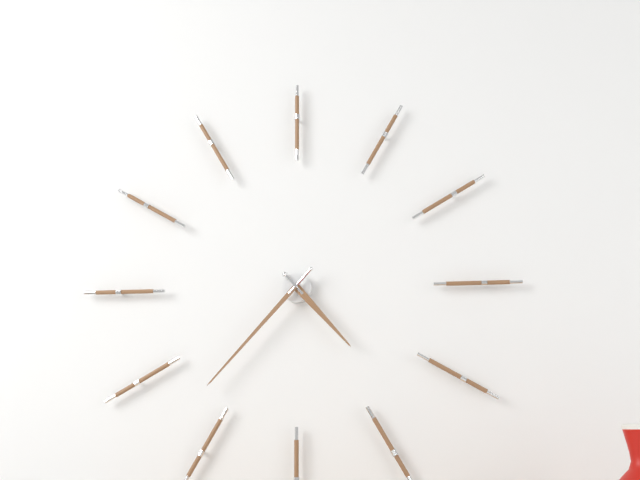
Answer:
4:37
